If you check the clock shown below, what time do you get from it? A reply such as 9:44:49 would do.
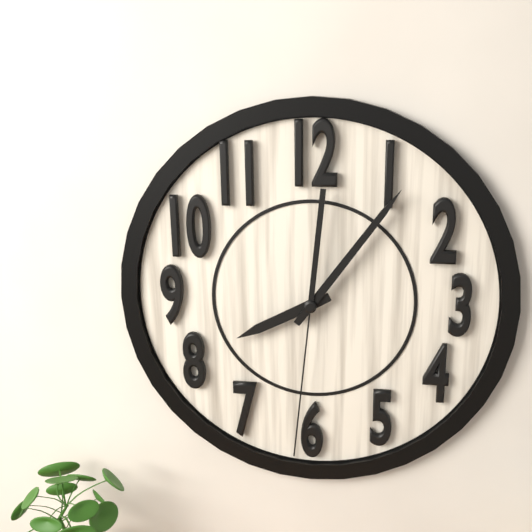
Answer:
8:06:31
